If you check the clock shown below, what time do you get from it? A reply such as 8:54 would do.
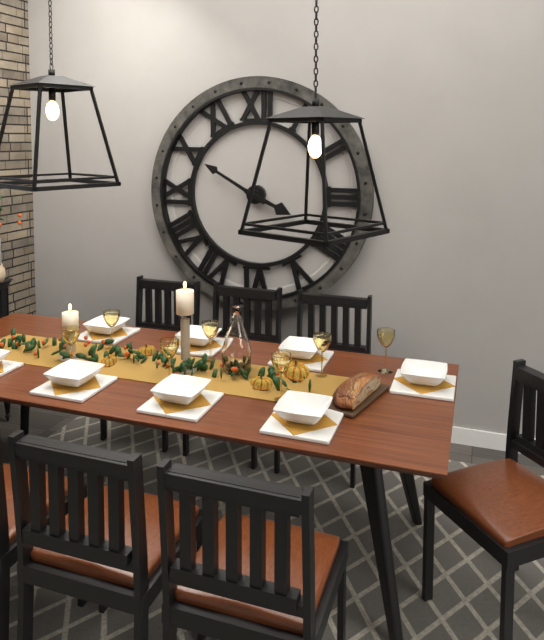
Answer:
3:50
